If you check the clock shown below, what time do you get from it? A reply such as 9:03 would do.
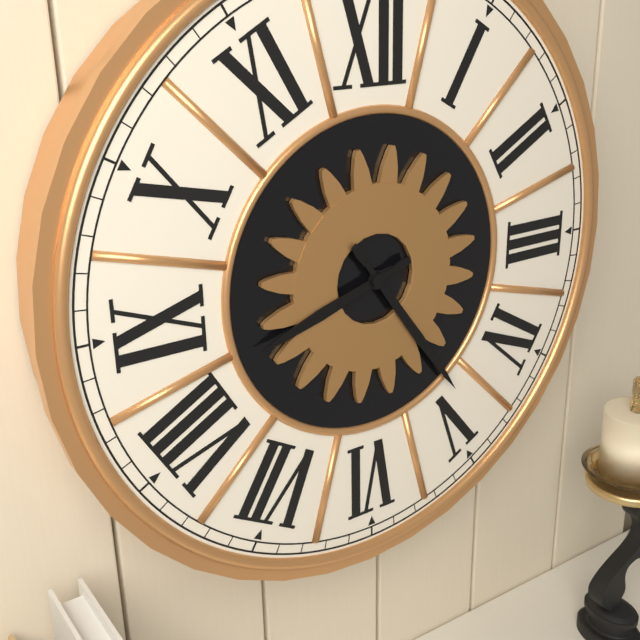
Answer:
8:24
